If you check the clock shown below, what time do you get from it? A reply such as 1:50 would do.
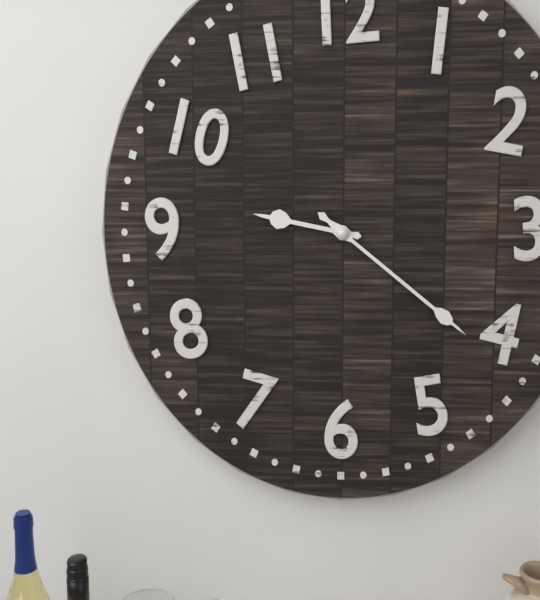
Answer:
9:21
